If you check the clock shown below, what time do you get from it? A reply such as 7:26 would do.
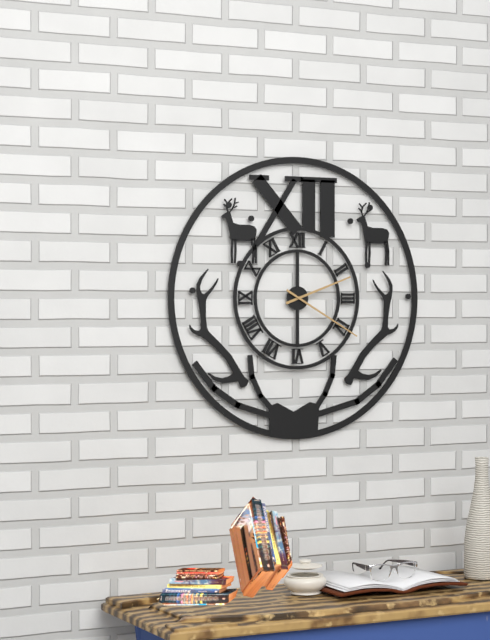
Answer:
2:20
